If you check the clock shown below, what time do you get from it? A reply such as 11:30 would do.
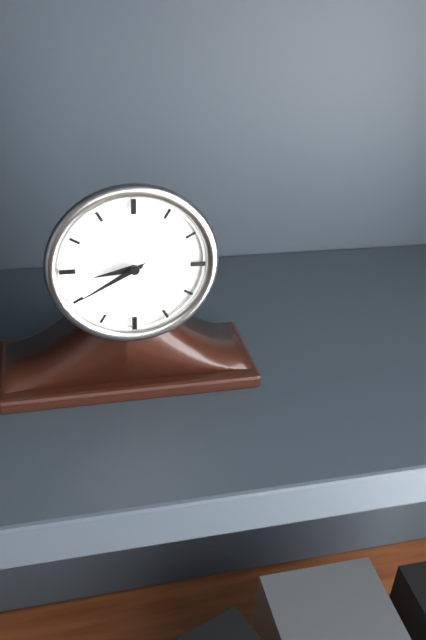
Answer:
8:40
